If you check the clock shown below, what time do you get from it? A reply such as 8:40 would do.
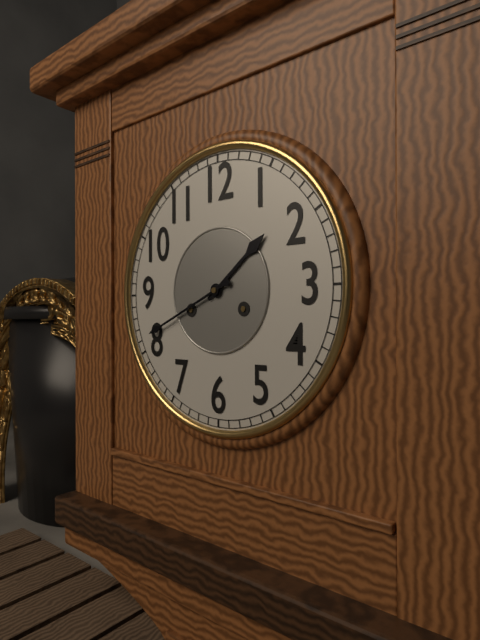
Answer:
1:41
